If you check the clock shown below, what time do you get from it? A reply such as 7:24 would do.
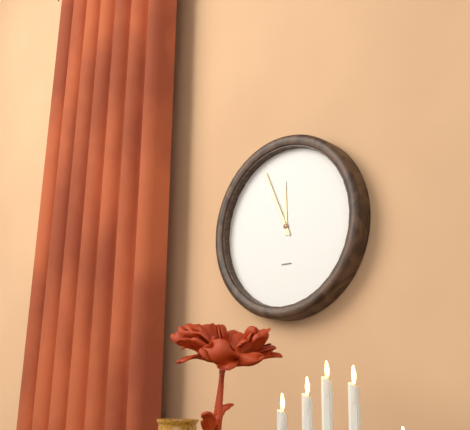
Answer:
11:56
